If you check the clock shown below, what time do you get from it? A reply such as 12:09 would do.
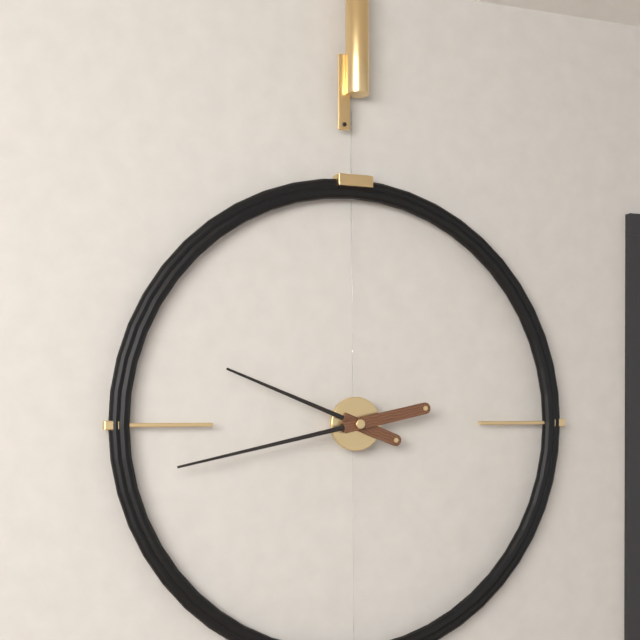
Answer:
9:43
